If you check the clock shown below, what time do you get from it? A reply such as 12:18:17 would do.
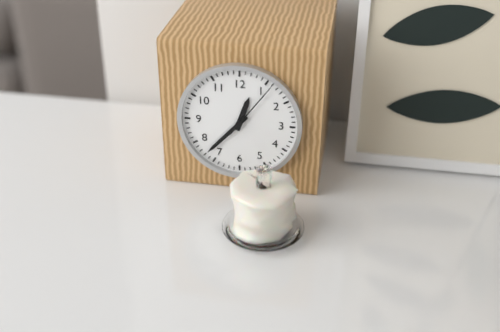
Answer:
12:37:06
